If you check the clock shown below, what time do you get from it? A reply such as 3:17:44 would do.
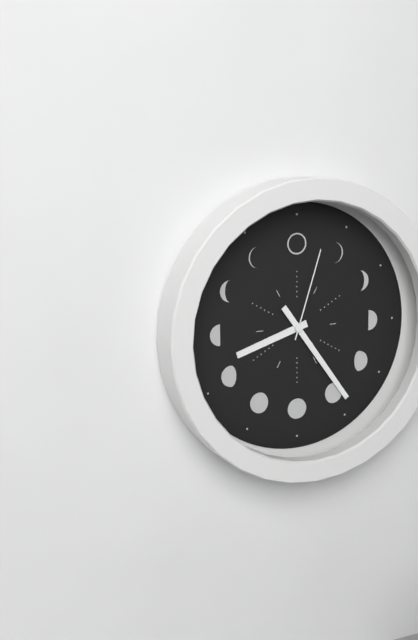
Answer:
8:24:03
